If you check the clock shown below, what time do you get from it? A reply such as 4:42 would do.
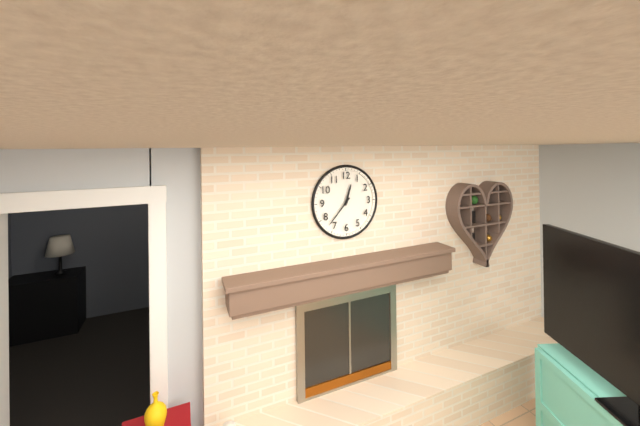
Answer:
12:37
